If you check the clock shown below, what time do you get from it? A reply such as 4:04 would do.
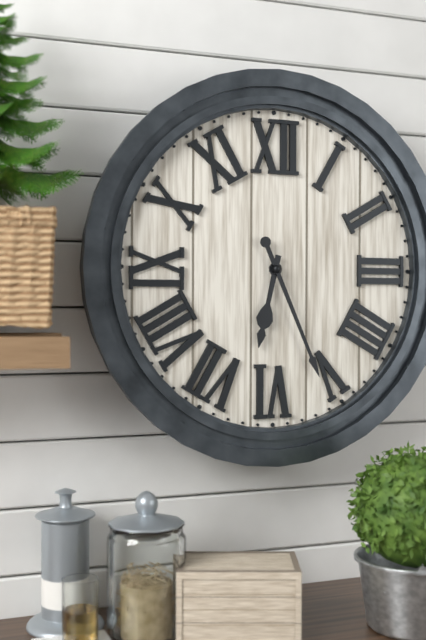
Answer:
6:26
